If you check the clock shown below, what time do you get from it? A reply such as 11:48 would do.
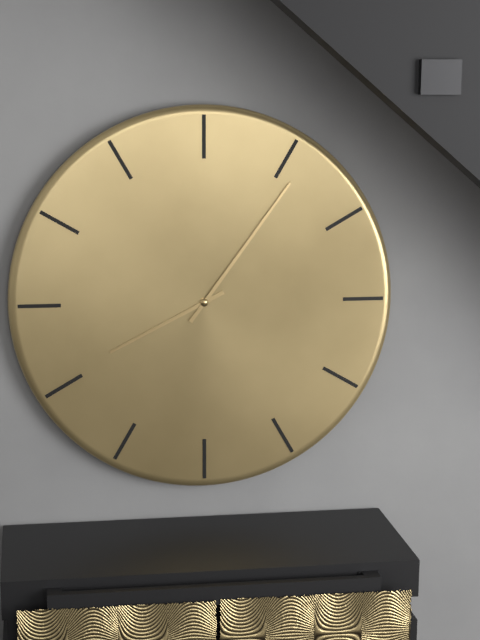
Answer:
8:06
